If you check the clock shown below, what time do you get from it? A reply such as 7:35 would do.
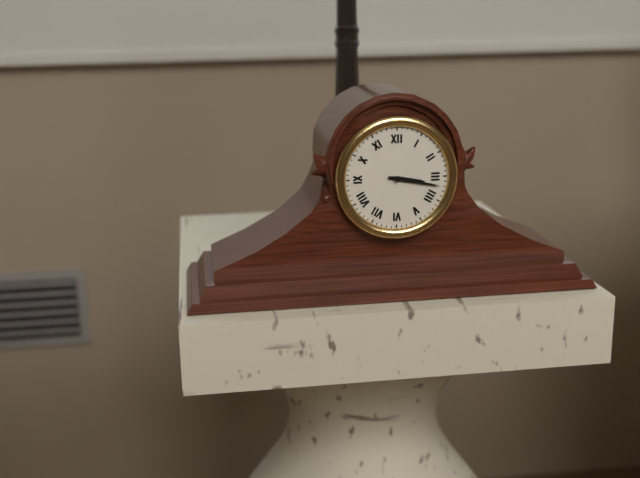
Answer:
3:17
